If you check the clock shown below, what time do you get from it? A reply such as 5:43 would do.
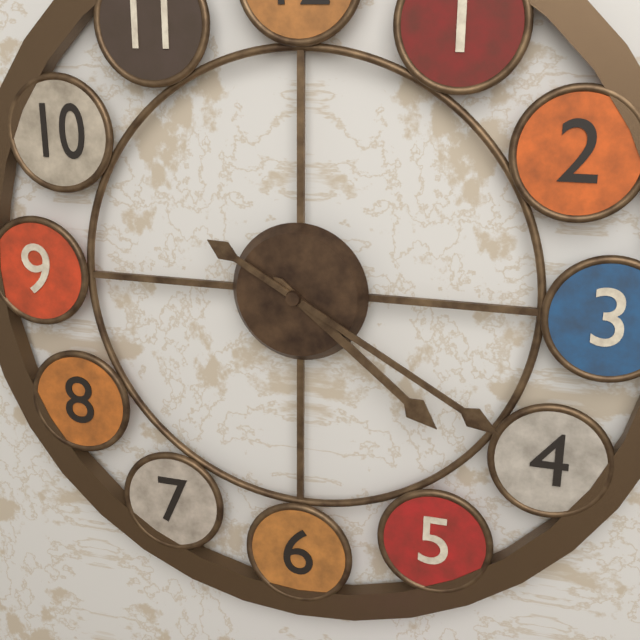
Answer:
4:20
